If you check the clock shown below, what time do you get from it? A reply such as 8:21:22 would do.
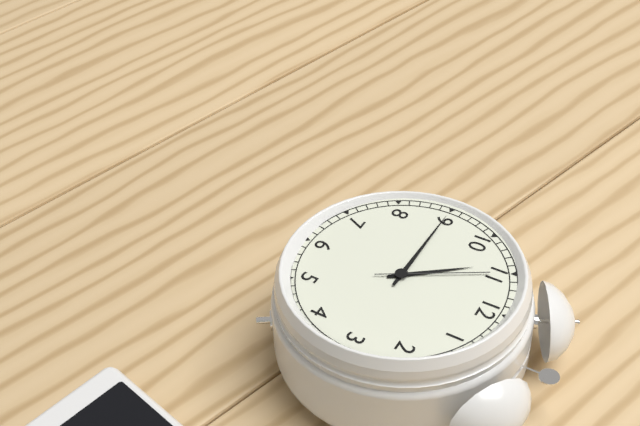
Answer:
10:45:55
